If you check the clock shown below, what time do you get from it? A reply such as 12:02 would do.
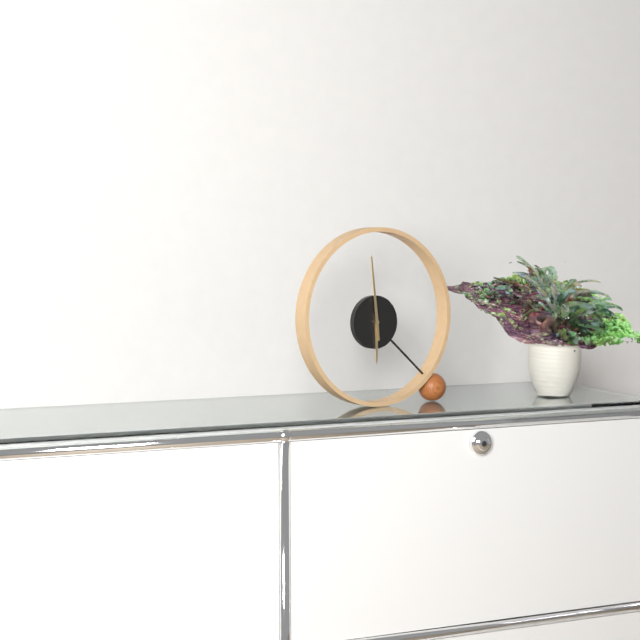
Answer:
5:59
